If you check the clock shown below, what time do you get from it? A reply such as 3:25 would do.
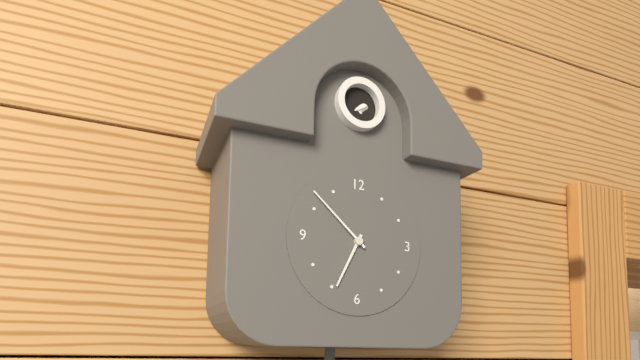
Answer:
6:52
